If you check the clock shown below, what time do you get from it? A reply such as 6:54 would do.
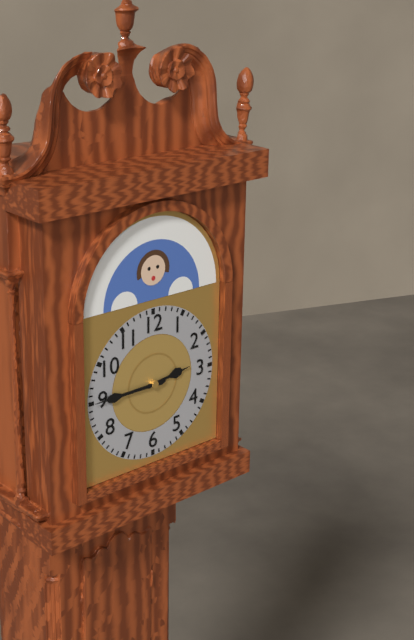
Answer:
2:45
